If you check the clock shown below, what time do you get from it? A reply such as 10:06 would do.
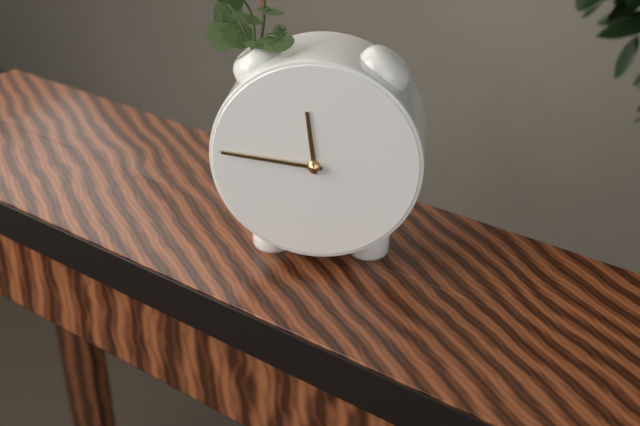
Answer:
11:46
